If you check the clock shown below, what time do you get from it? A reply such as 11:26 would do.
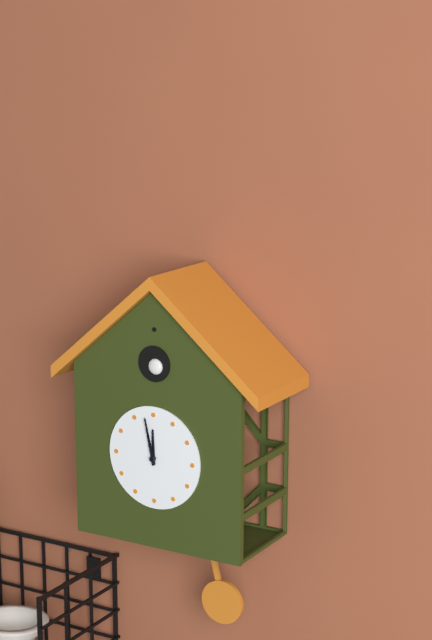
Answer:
11:58
